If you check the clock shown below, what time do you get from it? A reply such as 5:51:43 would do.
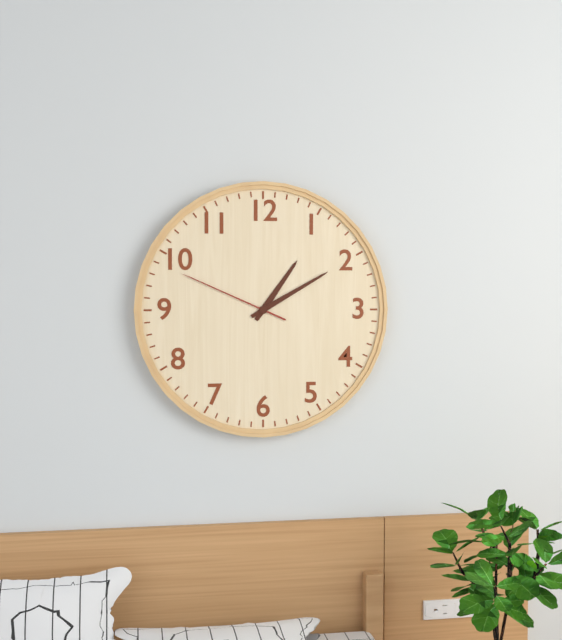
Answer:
1:10:49
